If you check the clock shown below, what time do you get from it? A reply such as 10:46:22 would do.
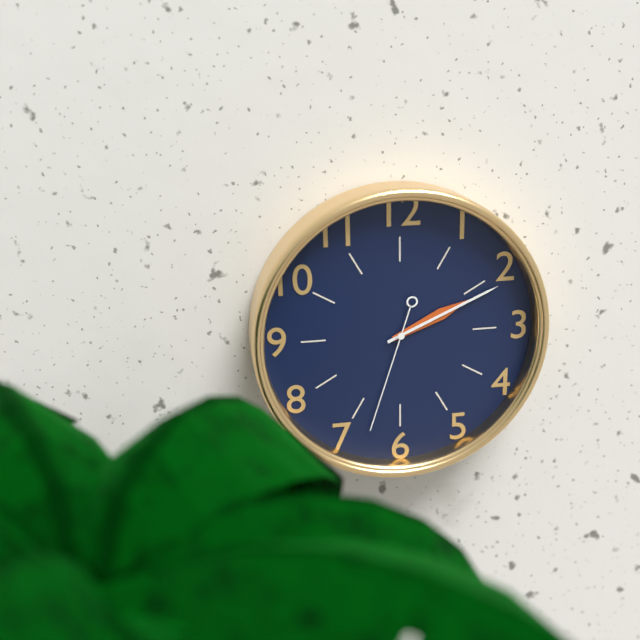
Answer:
2:11:33
